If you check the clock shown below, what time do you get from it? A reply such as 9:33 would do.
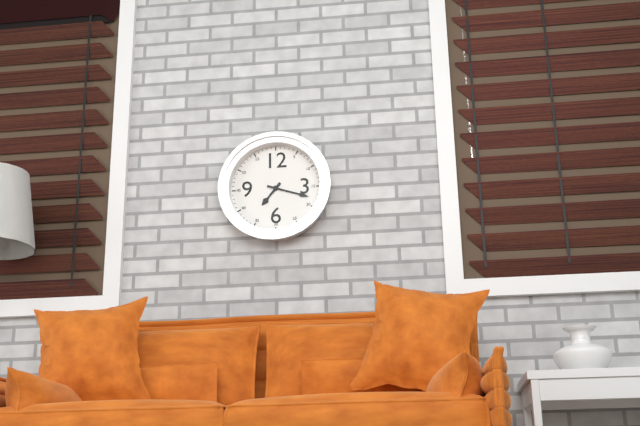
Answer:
7:18
